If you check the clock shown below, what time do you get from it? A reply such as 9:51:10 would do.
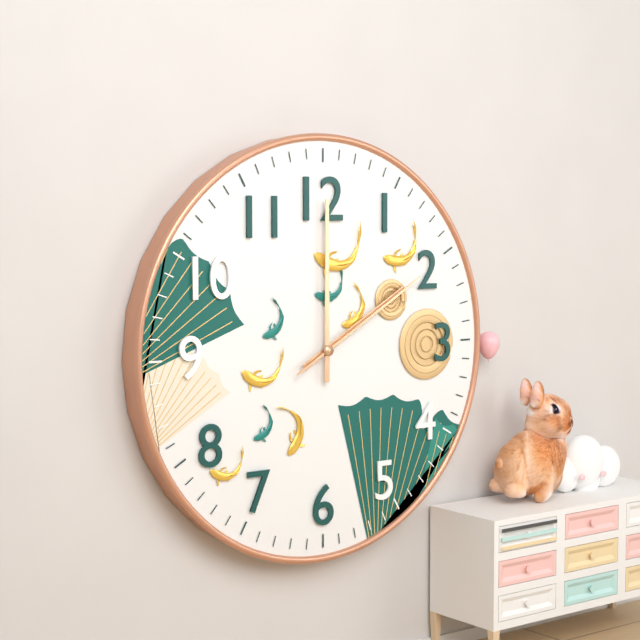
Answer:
2:00:10
